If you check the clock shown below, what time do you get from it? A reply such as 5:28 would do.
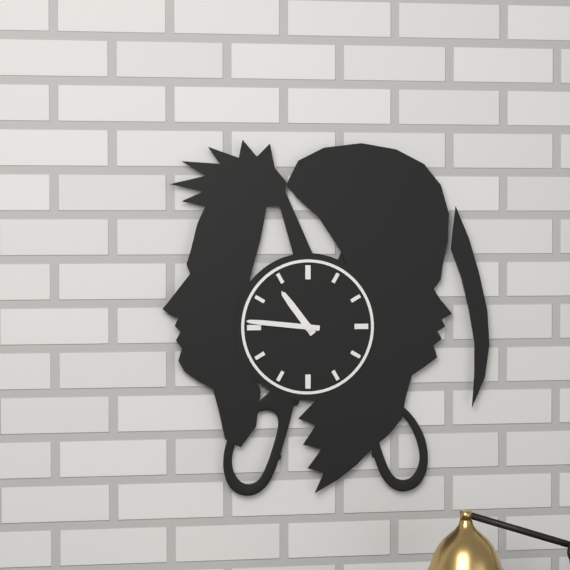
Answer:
10:46
